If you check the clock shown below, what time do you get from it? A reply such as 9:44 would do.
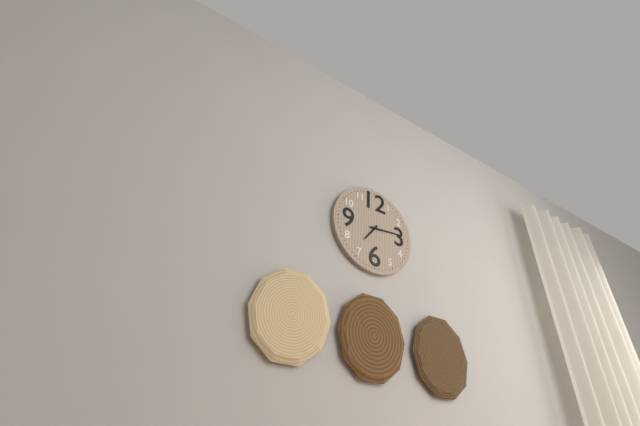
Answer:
7:14
